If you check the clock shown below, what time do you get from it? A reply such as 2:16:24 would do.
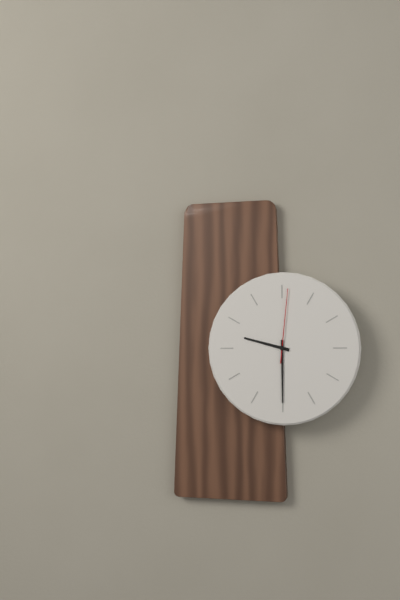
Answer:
9:30:01
